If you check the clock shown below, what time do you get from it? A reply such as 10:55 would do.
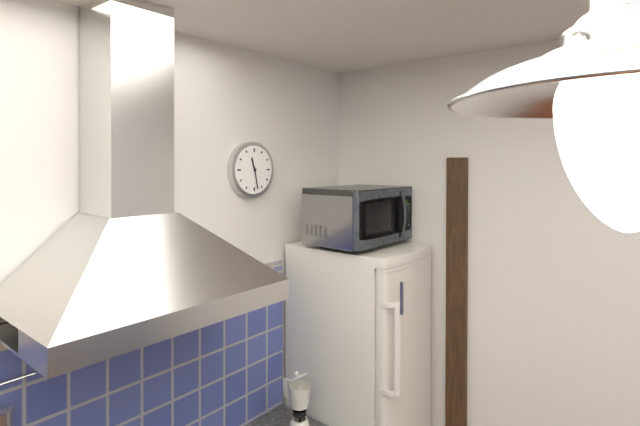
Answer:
11:28
